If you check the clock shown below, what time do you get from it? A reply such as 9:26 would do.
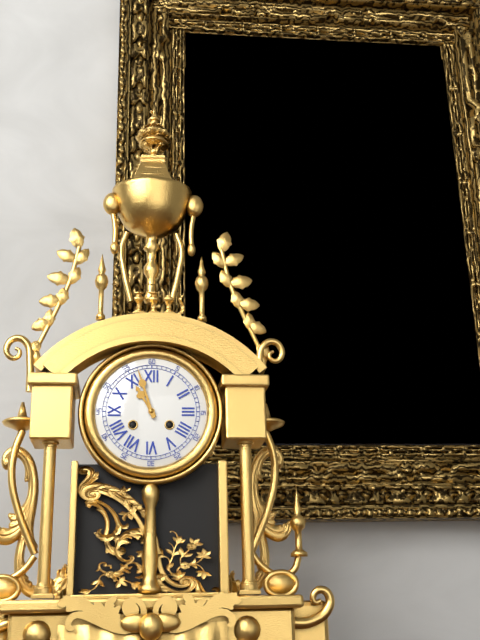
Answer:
10:57
